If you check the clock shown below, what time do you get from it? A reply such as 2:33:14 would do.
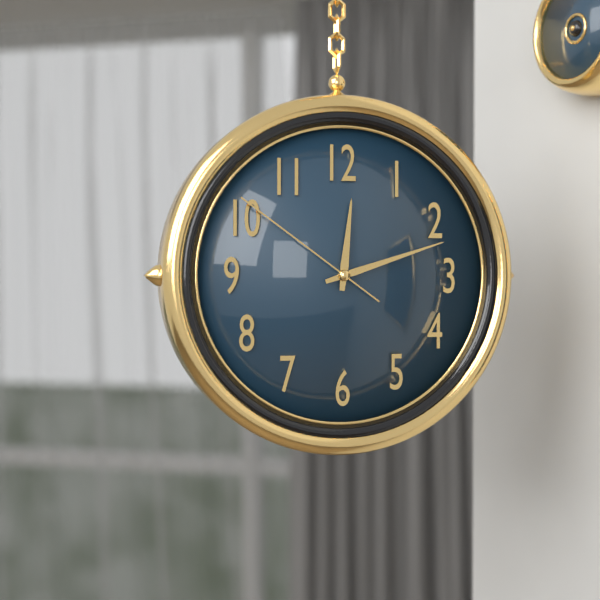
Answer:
12:12:51
